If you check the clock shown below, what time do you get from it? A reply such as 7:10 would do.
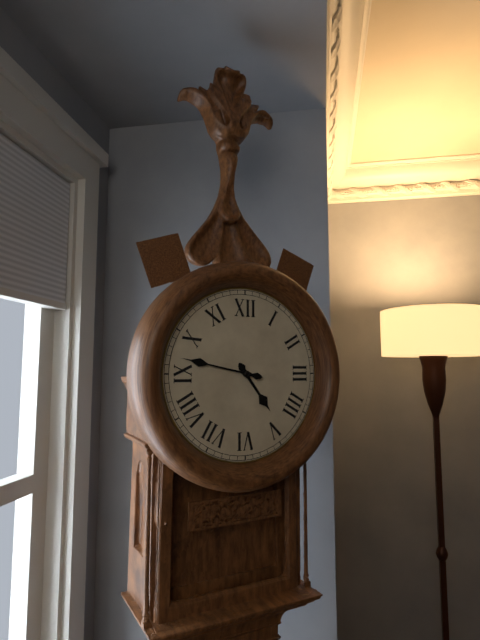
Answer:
4:47
